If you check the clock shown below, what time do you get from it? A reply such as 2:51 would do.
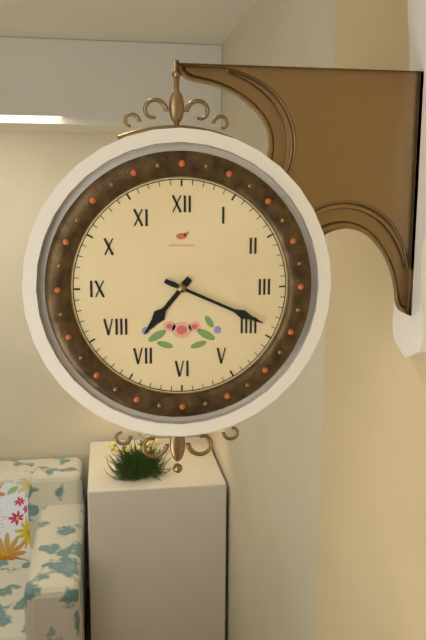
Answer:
7:19
